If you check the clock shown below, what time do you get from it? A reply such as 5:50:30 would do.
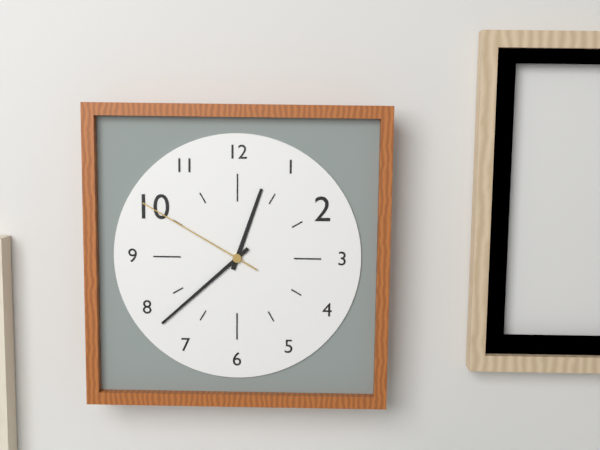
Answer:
12:38:50
